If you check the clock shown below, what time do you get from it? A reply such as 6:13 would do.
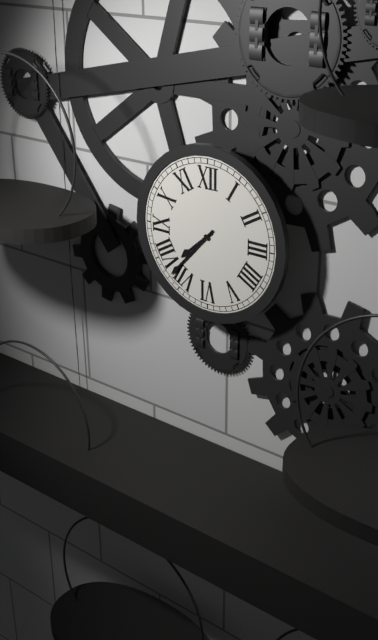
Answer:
7:37
